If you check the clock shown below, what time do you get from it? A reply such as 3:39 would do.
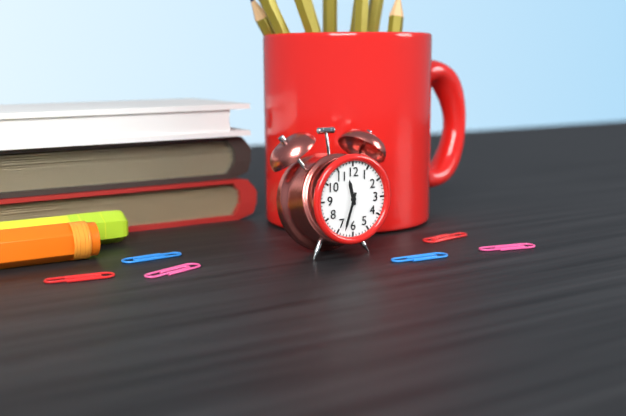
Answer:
11:33
